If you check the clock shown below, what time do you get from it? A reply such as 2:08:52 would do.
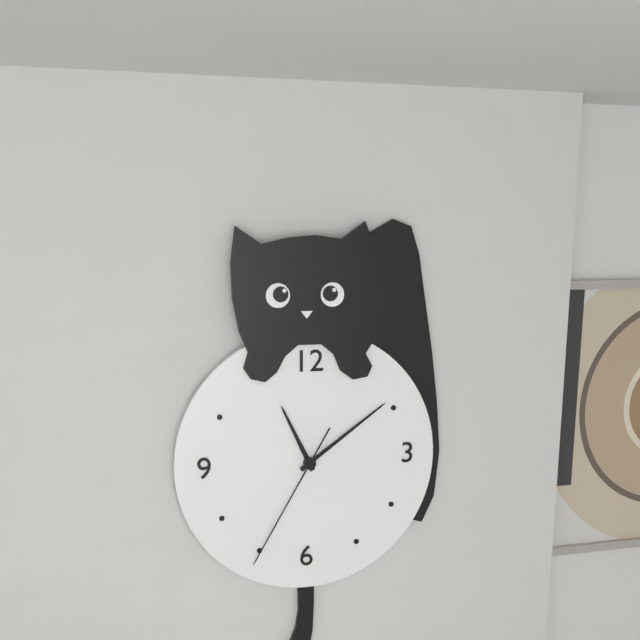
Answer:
11:09:35
